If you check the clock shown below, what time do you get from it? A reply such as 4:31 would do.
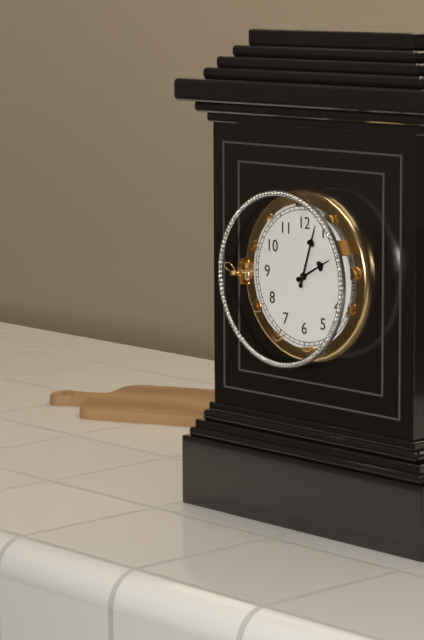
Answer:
2:03
